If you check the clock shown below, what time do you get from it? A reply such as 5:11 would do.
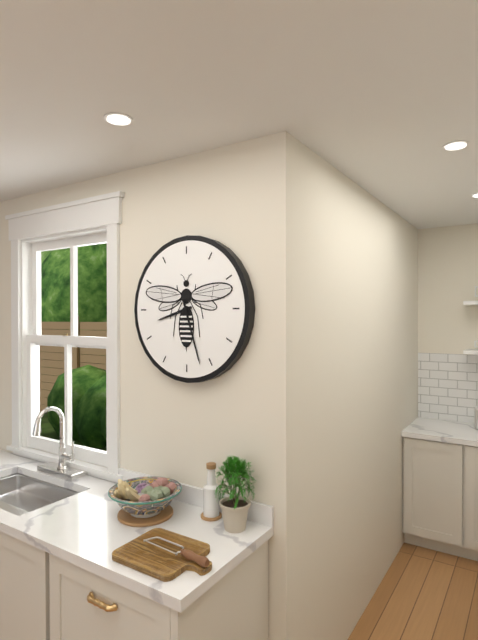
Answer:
8:27
